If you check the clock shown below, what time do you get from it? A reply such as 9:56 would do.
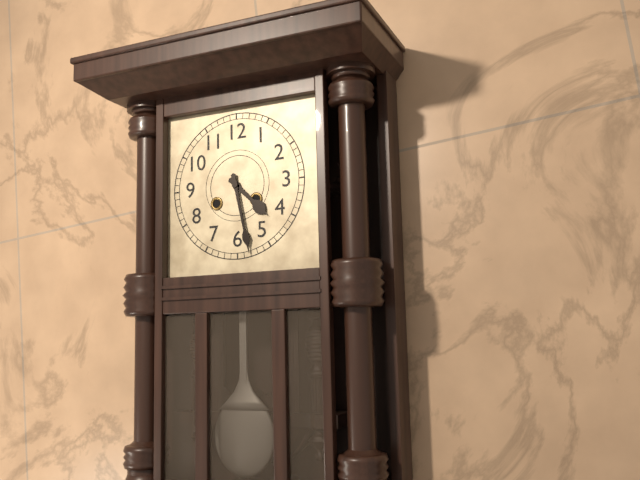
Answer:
4:28
